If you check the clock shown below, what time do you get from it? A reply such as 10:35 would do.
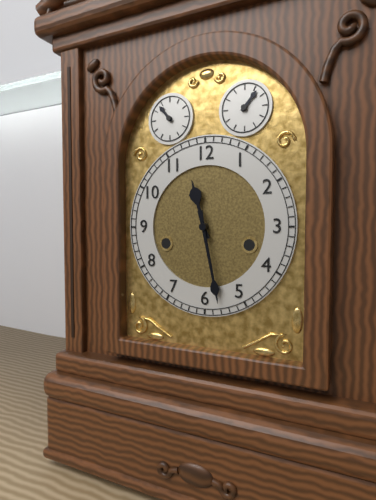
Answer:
11:28
